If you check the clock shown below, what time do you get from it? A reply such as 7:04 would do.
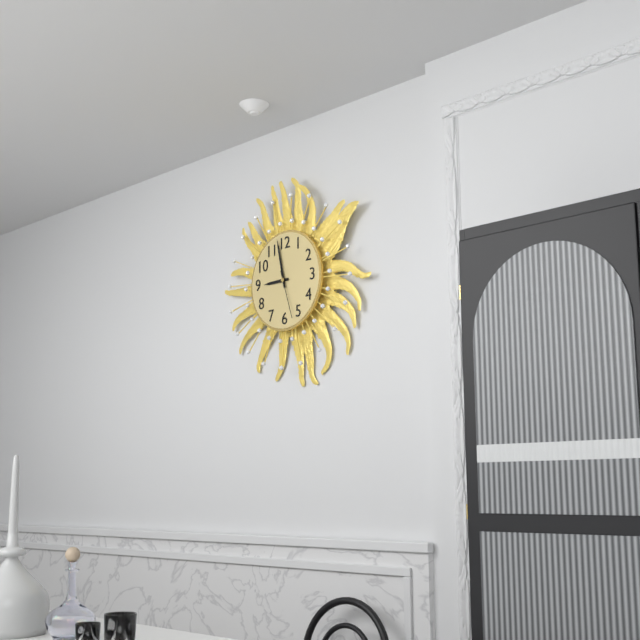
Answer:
8:58
